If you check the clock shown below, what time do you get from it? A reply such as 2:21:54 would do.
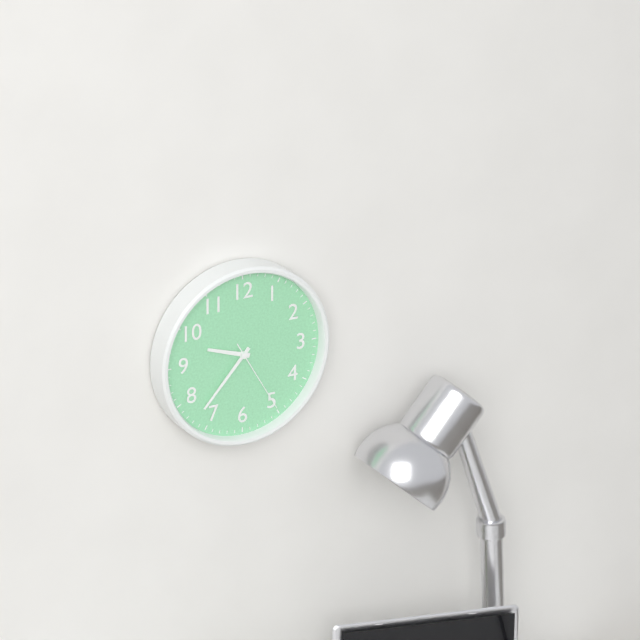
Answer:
9:37:25
